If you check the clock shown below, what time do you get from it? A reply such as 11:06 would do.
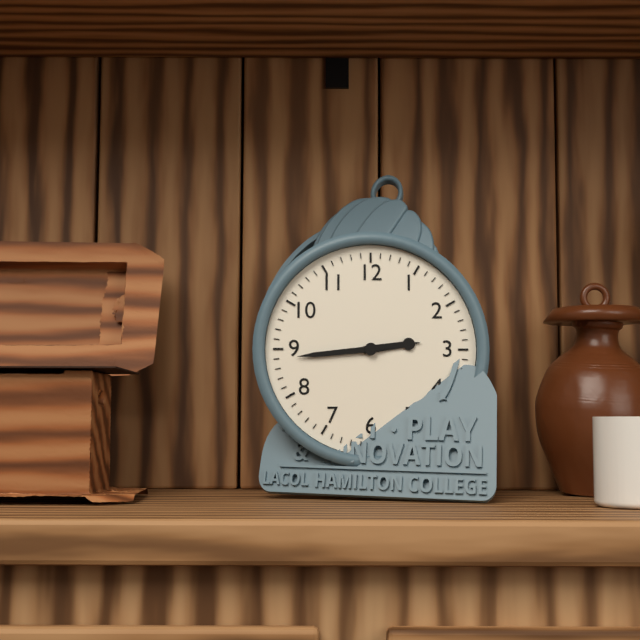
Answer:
2:44
